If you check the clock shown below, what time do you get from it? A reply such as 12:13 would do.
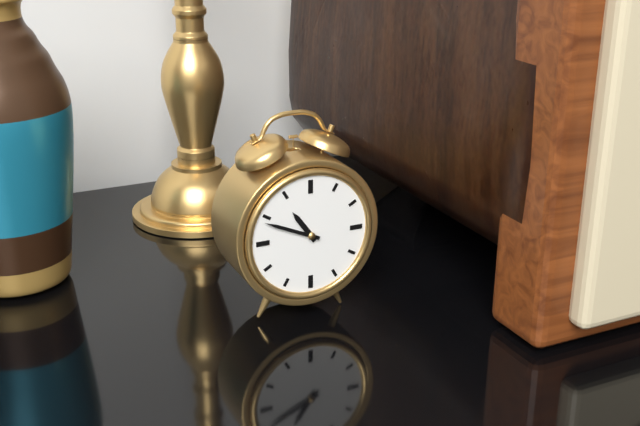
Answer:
10:49
